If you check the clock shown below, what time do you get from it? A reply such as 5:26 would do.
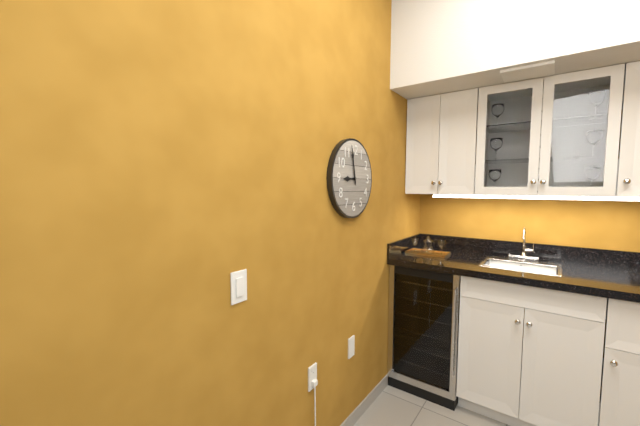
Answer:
8:58
